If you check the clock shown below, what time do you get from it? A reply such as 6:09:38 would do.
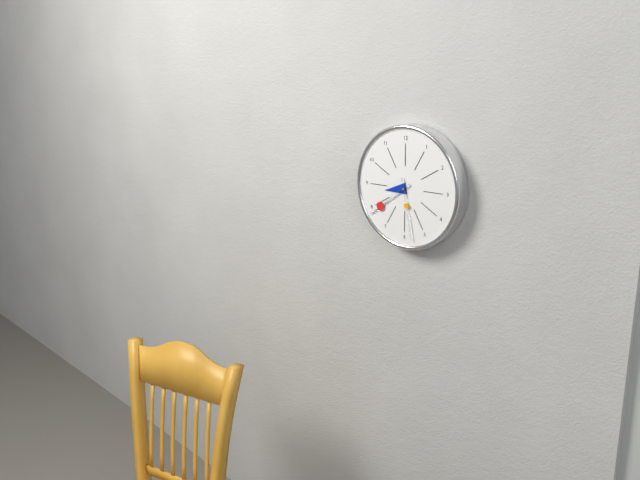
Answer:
8:39:28
